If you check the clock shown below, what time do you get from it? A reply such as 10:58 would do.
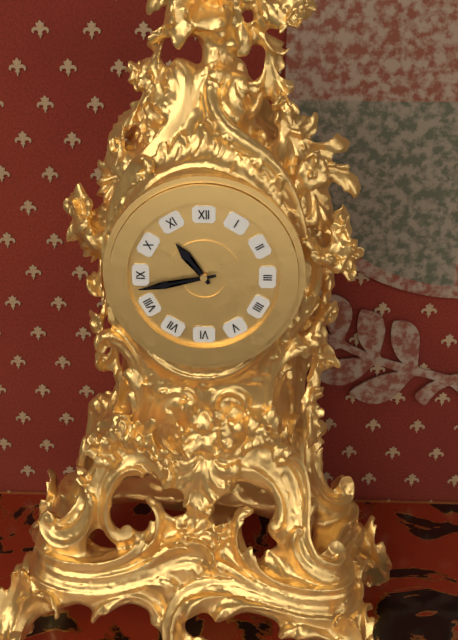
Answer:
10:43
